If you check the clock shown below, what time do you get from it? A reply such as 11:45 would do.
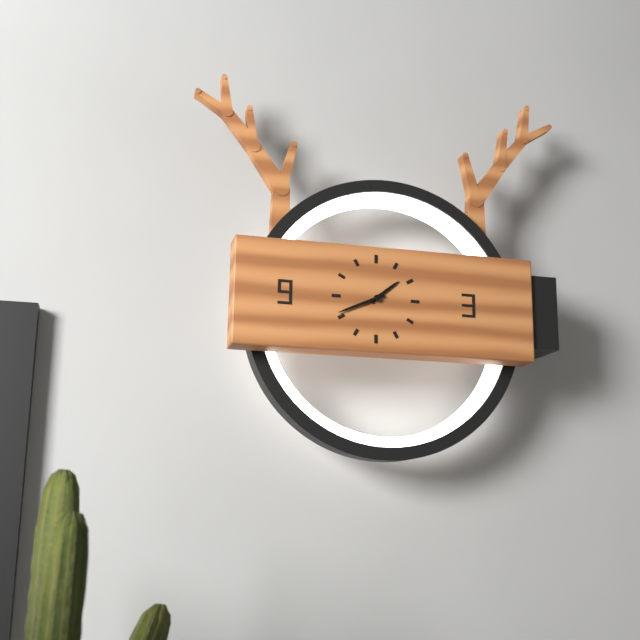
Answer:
1:41
